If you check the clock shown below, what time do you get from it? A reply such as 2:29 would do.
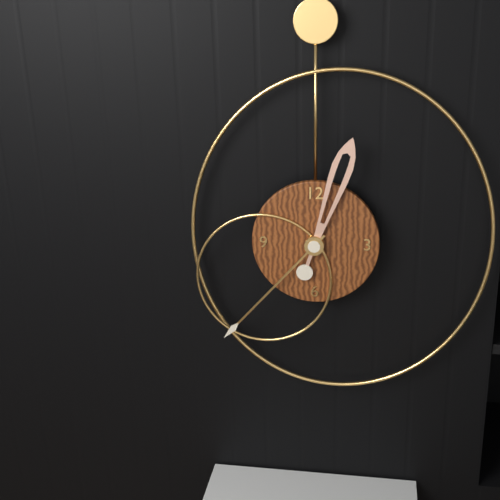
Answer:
12:37
